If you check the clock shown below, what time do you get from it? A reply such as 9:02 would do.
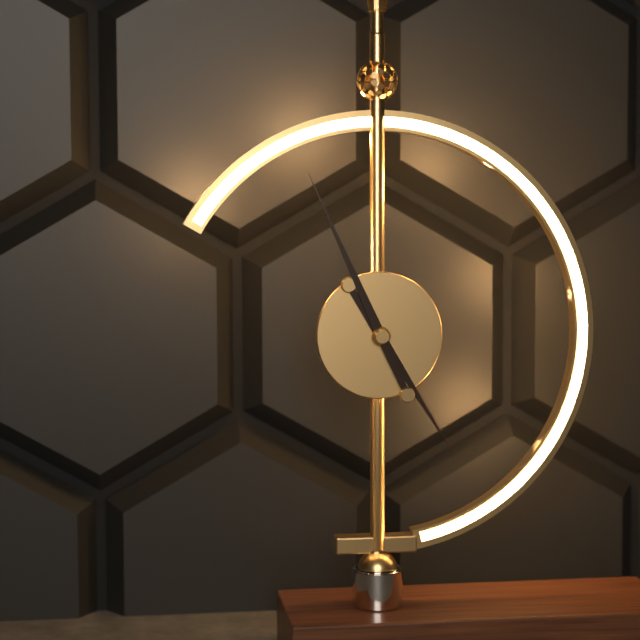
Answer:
4:56
